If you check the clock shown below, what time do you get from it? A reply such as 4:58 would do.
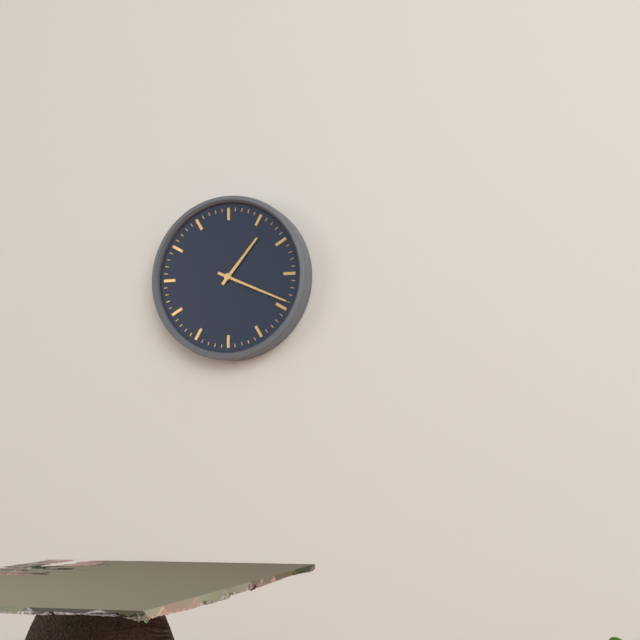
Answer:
1:19
